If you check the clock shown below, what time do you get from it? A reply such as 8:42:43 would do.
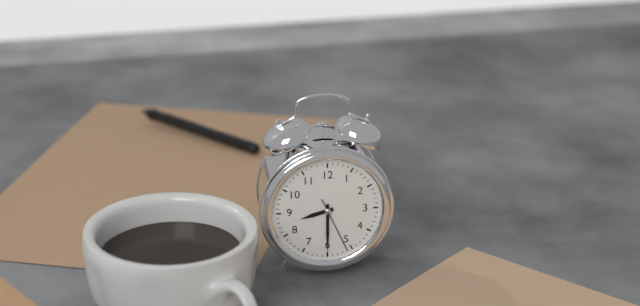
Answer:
8:30:26
